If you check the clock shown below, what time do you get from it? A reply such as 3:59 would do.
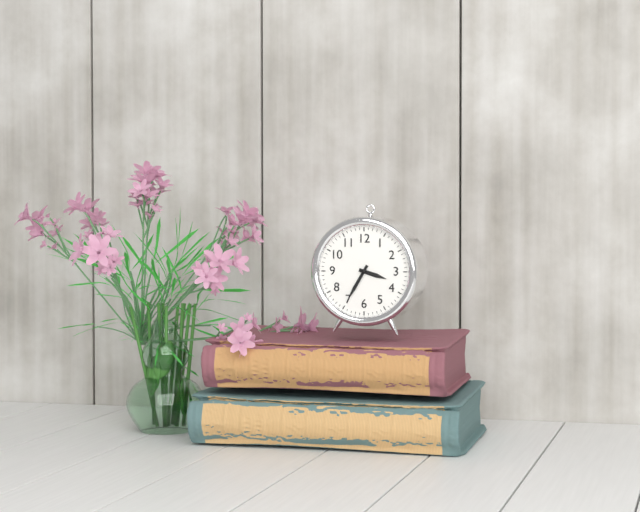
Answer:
3:35
